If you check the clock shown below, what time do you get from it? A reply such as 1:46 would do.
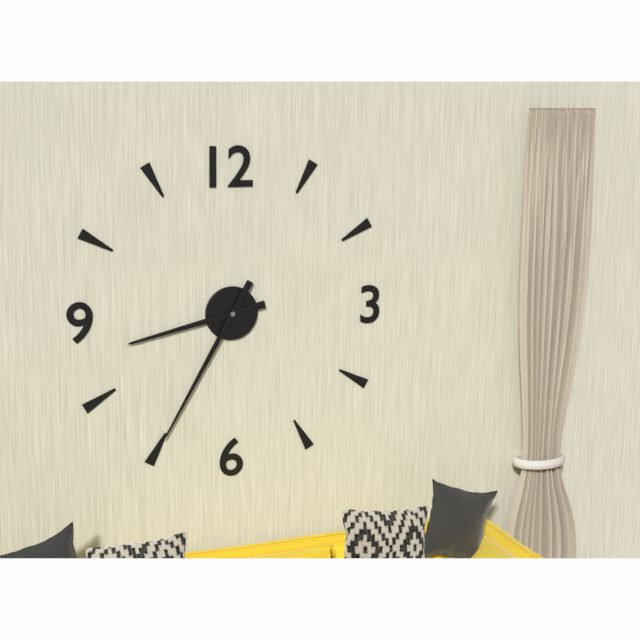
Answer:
8:35
